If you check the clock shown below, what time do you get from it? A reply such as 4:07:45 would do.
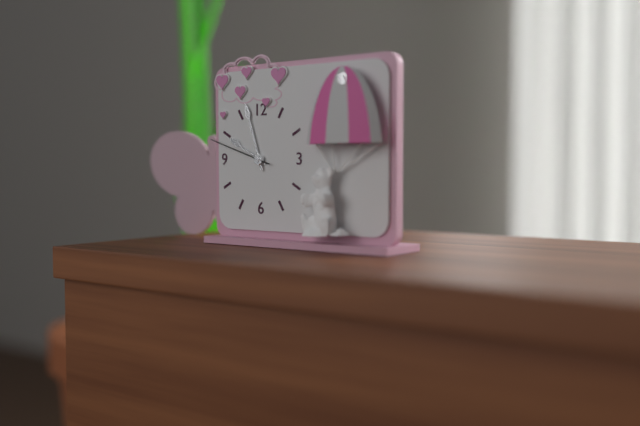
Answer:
9:57:48
